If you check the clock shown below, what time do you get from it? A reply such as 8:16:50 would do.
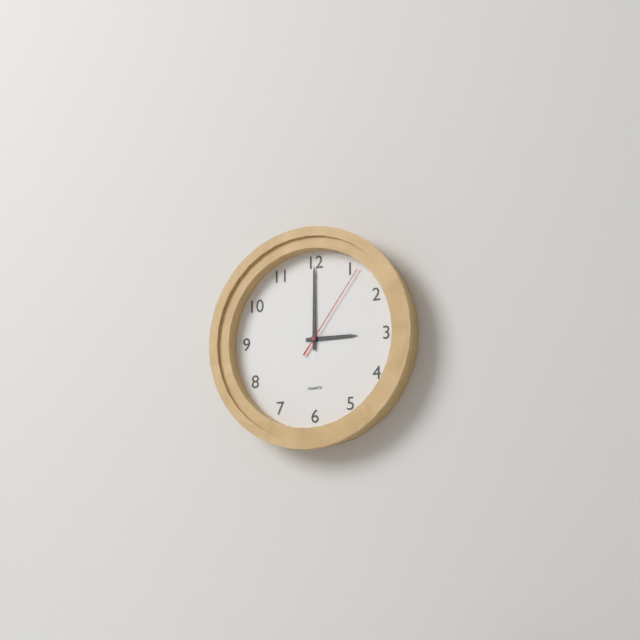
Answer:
3:00:06
